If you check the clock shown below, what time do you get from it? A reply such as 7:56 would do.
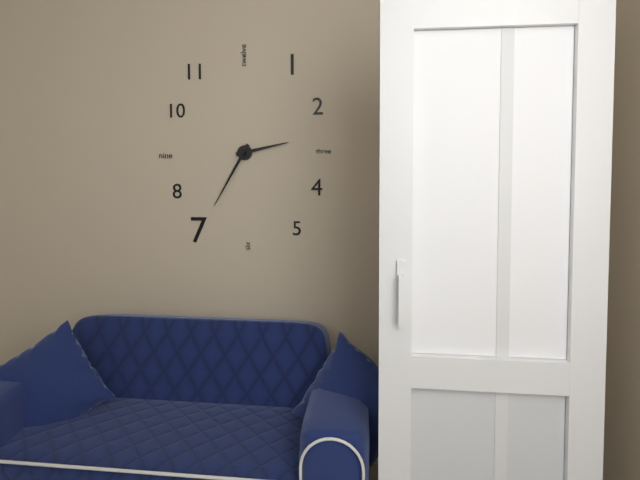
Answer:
2:35
